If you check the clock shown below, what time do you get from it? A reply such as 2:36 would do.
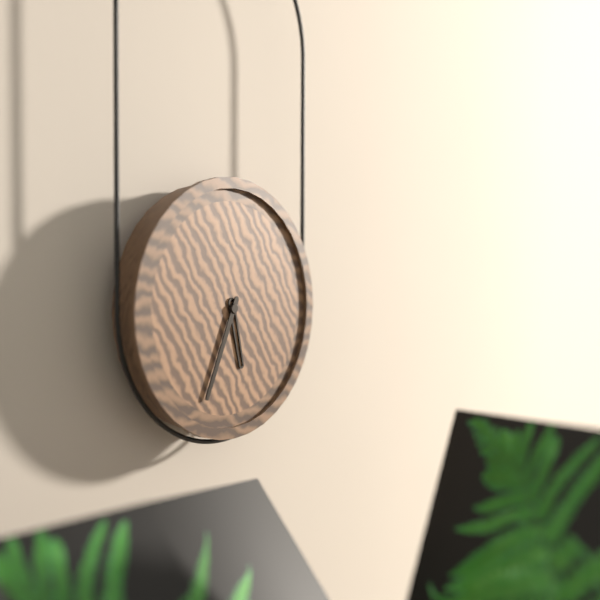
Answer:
5:34
